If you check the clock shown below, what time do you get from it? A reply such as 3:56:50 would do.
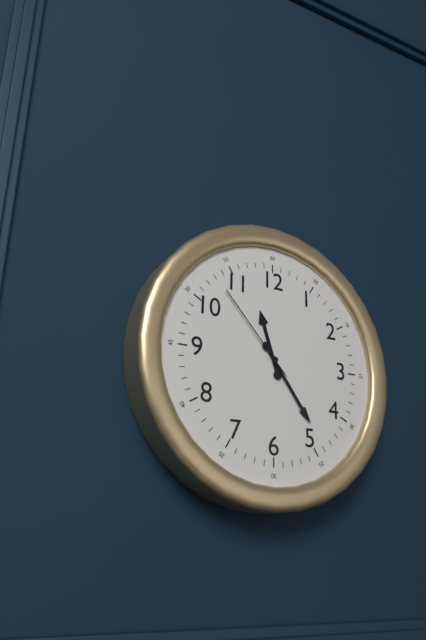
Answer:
11:24:53
